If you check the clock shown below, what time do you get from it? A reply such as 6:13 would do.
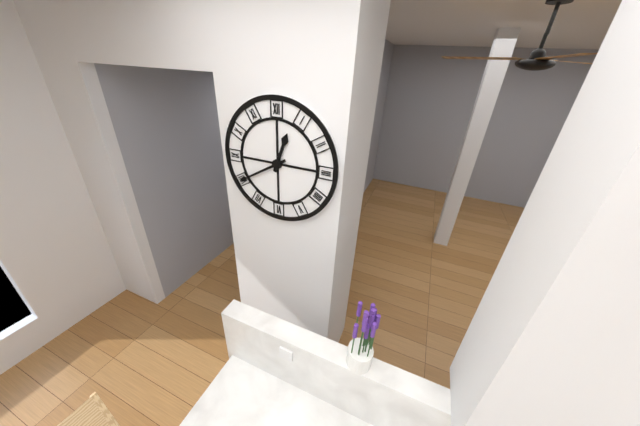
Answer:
12:40
